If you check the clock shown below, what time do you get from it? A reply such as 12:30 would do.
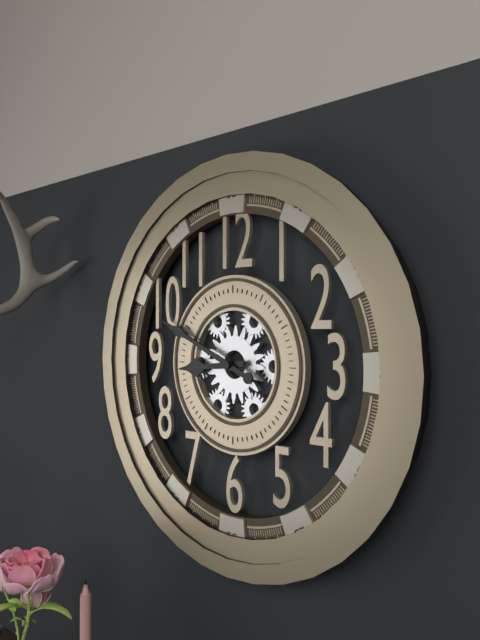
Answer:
8:49
